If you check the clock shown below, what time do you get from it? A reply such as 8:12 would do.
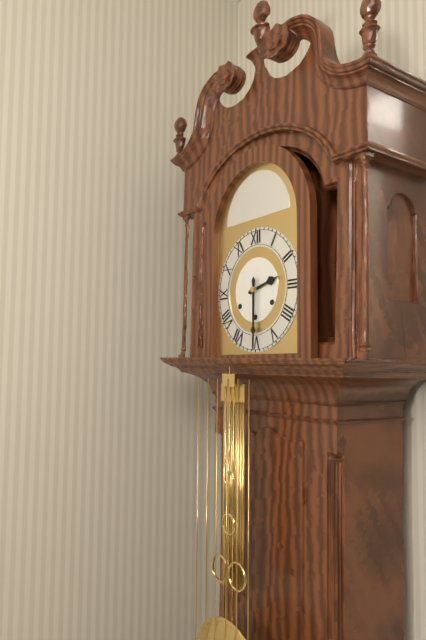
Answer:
2:30
